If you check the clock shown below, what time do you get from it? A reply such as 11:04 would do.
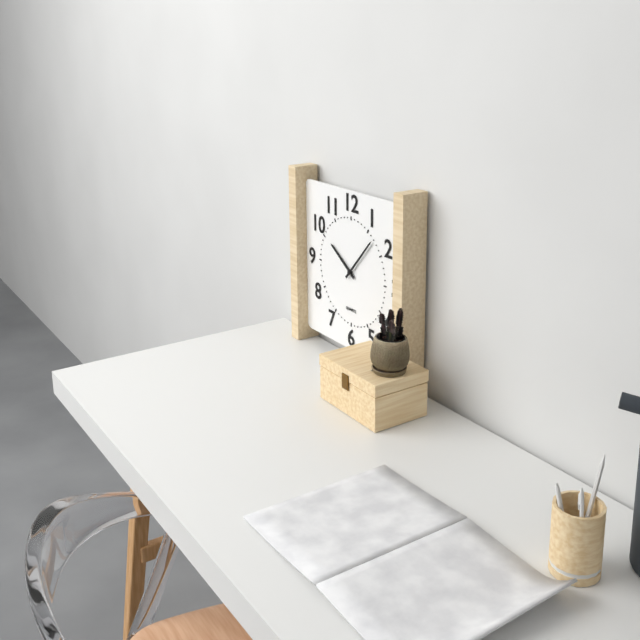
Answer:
10:07
